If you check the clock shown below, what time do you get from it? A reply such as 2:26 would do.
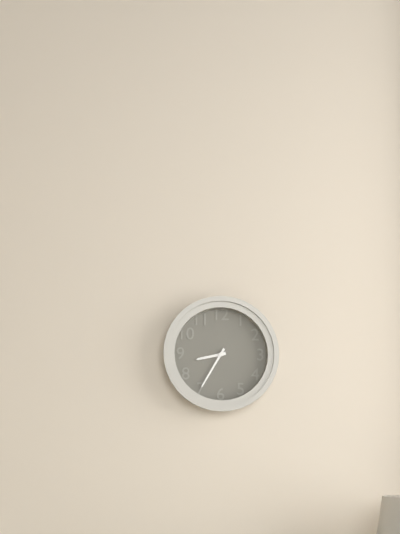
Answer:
8:35
